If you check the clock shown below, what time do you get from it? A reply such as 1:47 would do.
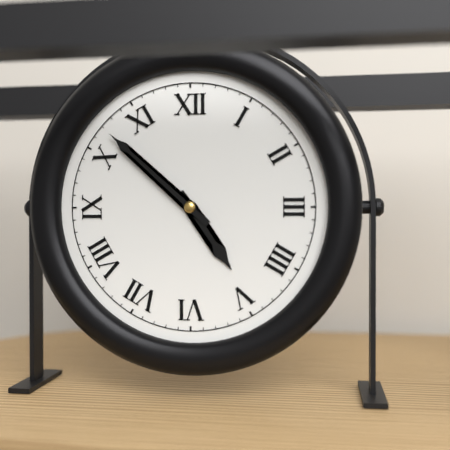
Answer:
4:52
